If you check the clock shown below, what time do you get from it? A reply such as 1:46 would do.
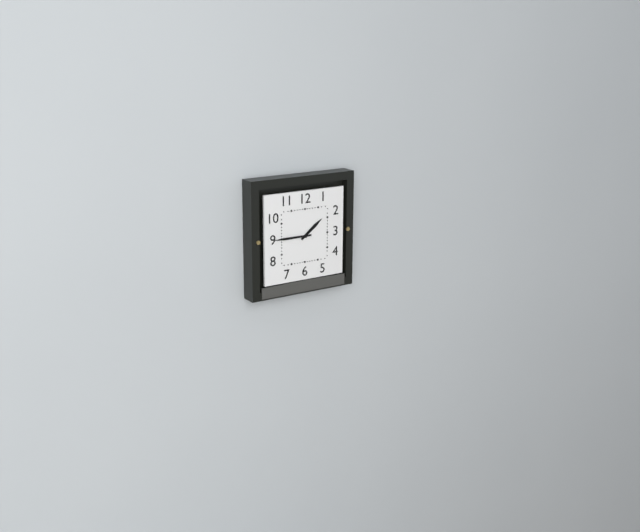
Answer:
1:45
